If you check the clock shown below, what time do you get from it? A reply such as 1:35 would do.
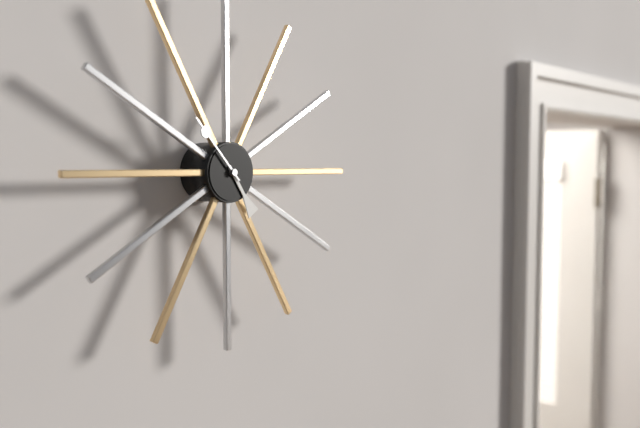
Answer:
4:53
